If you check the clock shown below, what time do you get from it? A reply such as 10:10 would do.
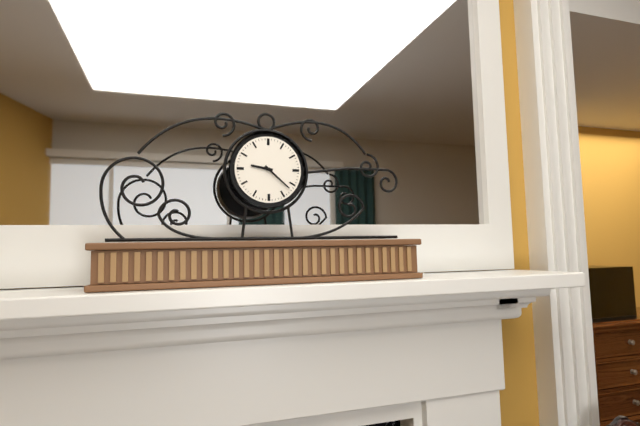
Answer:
9:22
